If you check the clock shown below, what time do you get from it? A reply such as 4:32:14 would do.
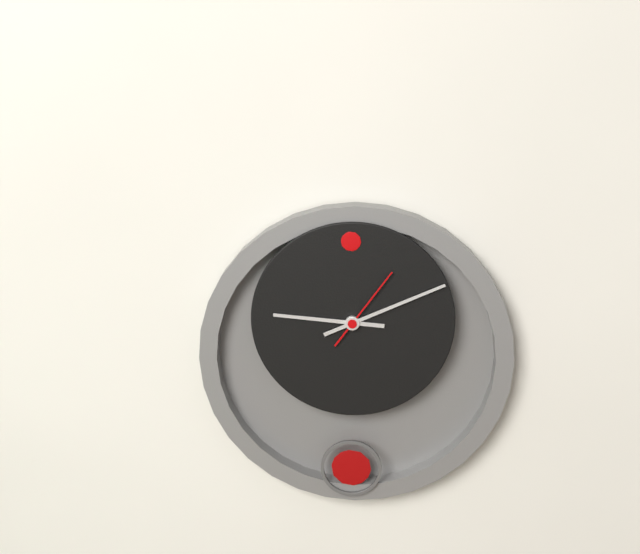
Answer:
9:11:06
